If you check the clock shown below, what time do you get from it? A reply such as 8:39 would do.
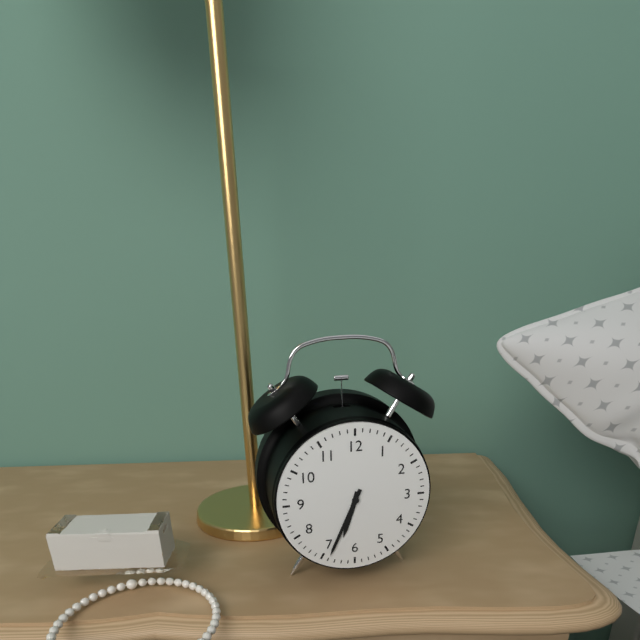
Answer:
6:34
